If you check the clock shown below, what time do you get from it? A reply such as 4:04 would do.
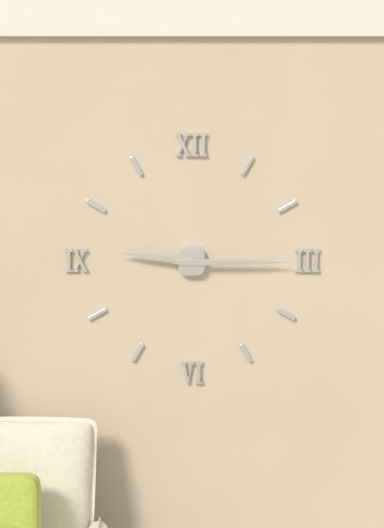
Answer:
9:15
